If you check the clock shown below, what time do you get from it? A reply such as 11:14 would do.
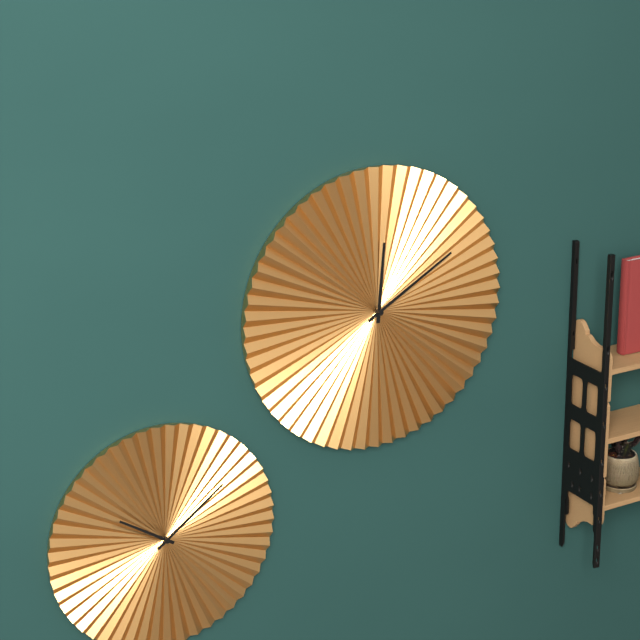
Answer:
12:10
